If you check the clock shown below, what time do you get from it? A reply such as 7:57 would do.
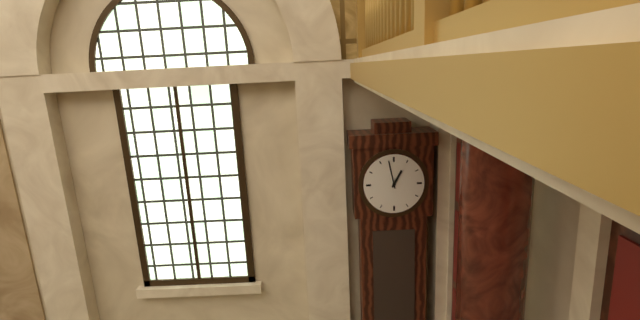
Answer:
12:58
